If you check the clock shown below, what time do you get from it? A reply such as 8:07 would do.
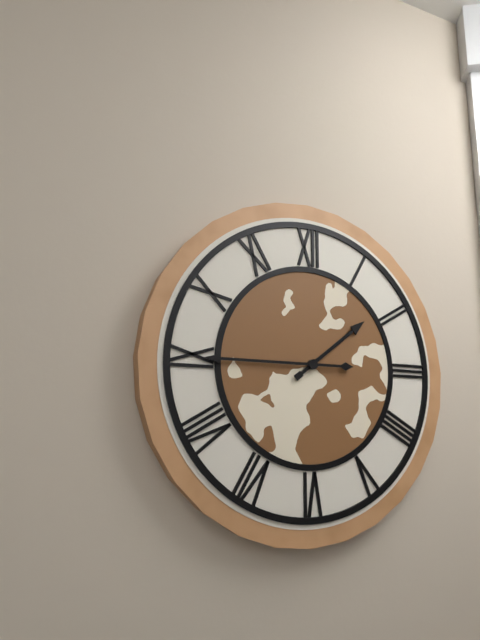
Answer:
1:45
